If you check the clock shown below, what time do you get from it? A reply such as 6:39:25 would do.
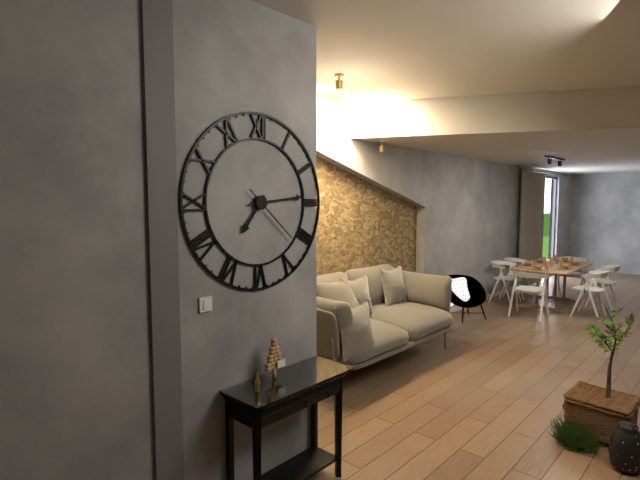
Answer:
7:14:22
